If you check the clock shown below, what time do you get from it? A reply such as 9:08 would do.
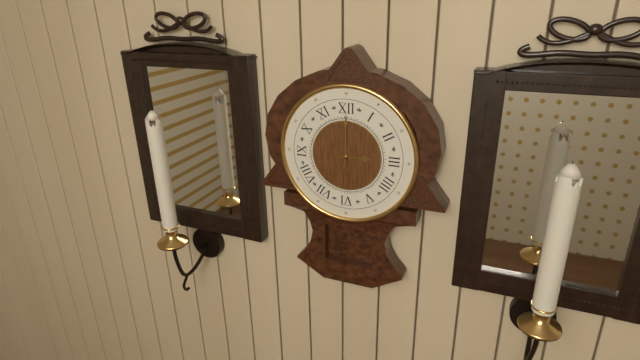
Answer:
3:00
